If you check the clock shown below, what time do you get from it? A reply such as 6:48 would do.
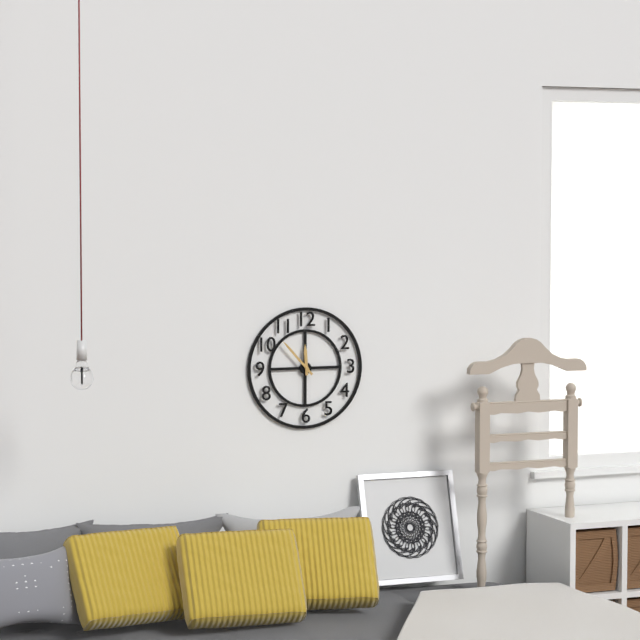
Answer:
11:53
